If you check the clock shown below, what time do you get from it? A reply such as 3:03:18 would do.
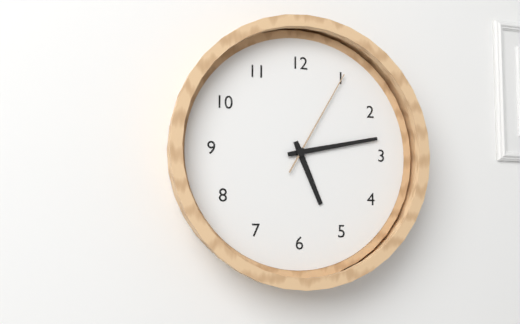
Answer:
5:13:05
